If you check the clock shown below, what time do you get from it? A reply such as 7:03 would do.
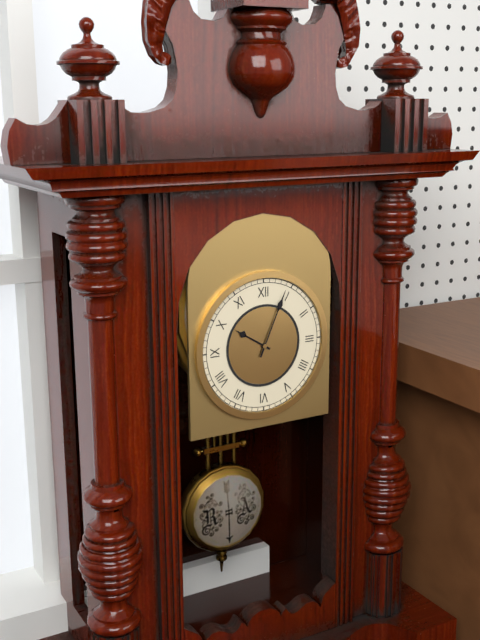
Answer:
10:04
